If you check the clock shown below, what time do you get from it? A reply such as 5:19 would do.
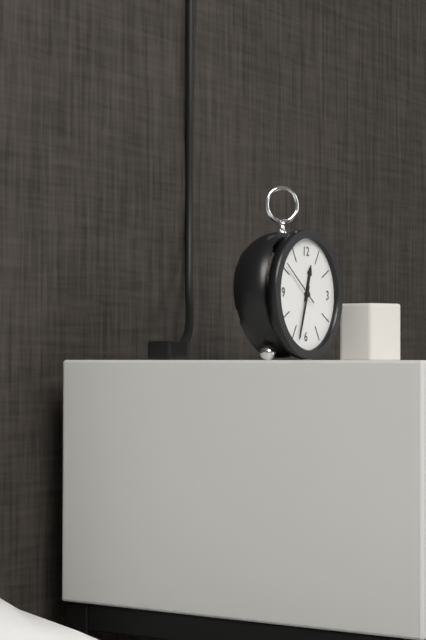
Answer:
12:33
